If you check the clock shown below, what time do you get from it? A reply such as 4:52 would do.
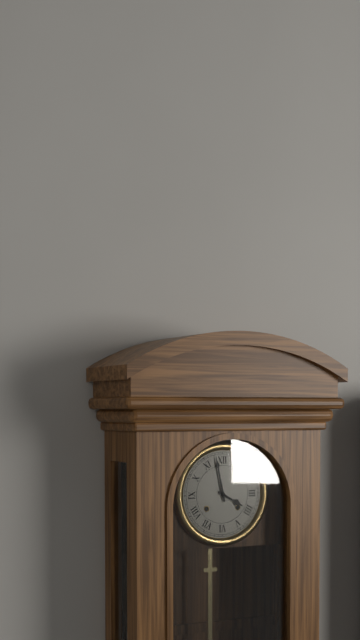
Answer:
3:58
